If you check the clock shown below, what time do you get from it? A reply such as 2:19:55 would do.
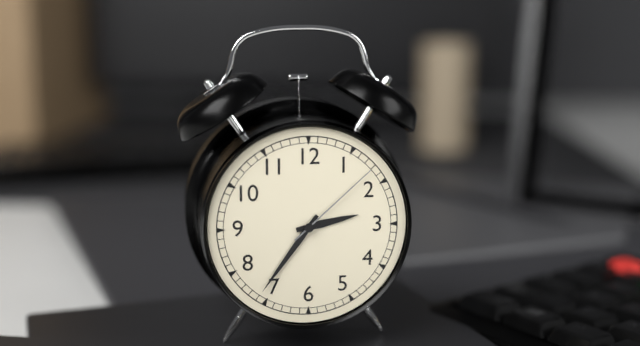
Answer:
2:36:08
